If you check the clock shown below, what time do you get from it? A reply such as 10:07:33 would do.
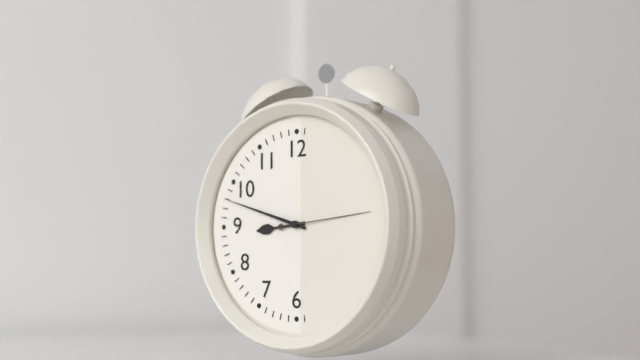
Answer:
8:48:14
